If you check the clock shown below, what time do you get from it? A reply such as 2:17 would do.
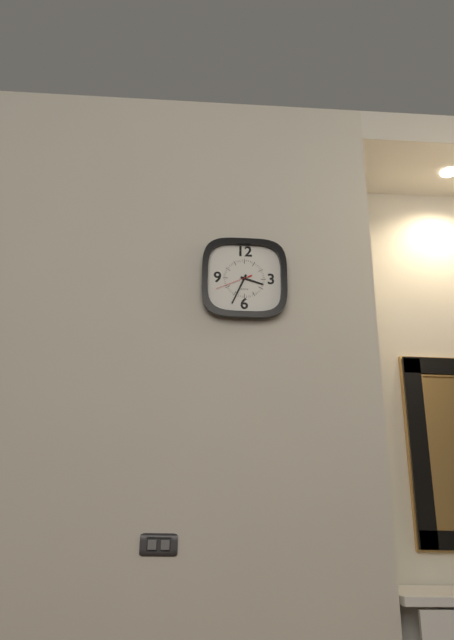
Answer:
3:34
